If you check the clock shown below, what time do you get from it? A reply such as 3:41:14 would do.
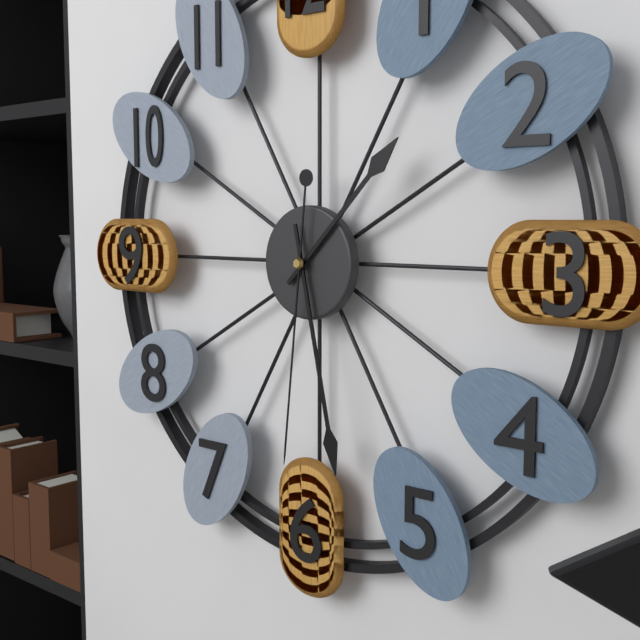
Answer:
1:28:31
